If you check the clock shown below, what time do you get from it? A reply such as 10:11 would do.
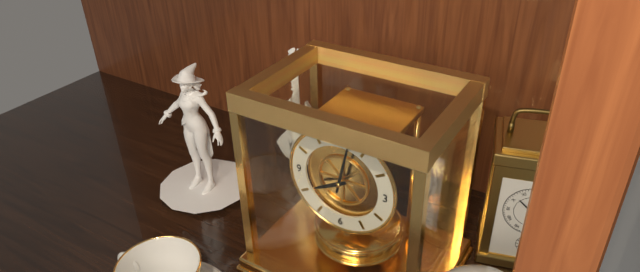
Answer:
8:02
